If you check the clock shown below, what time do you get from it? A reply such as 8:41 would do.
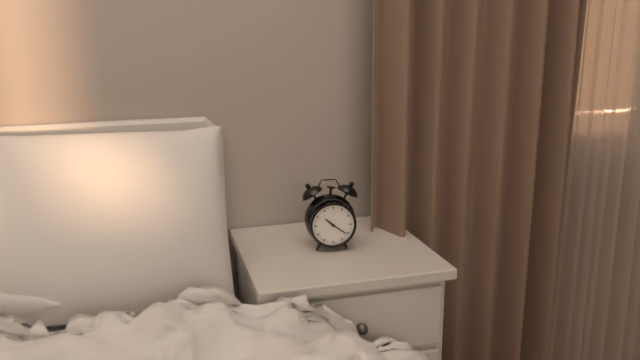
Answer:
10:21
